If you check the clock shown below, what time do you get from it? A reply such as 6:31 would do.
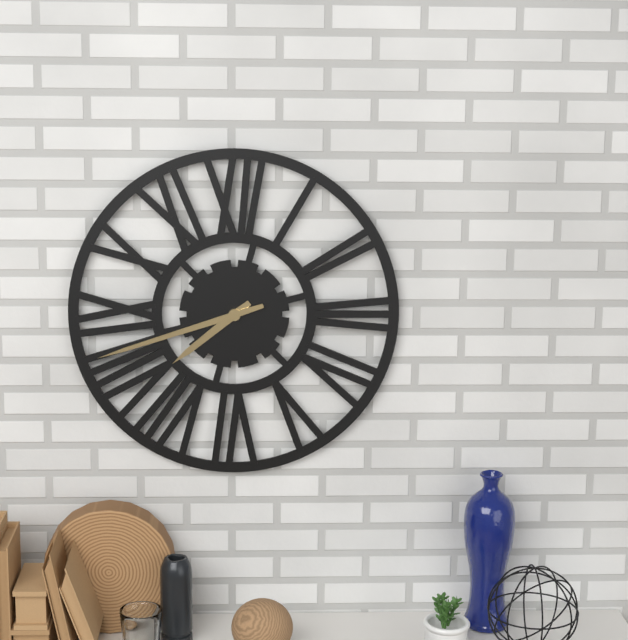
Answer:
7:42
